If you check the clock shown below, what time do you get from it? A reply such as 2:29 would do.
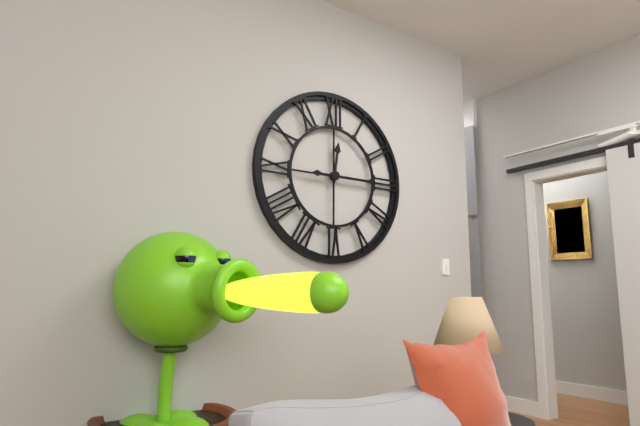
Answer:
12:15
